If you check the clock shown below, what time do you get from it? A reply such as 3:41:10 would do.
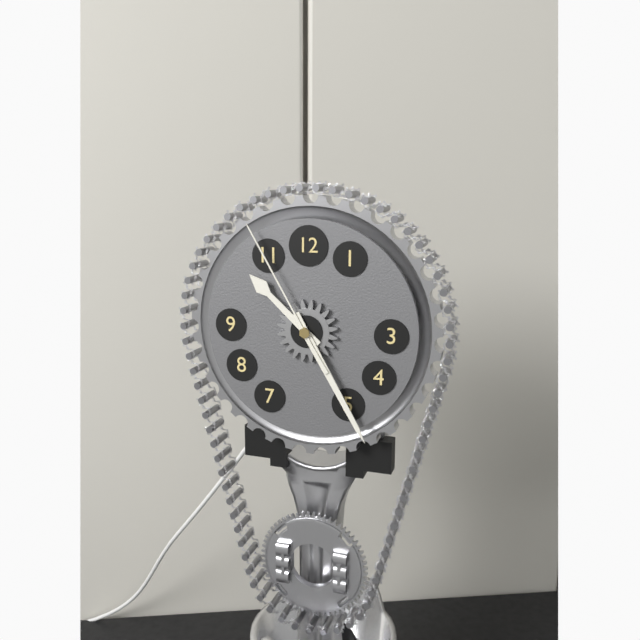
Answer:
10:25:55
